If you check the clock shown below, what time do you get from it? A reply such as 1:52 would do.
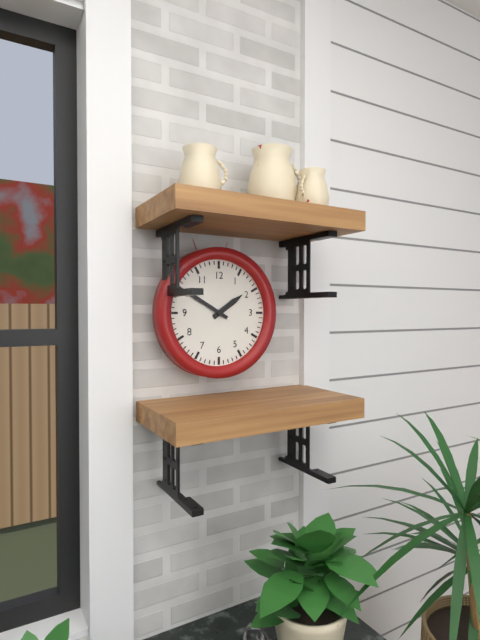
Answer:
1:50
